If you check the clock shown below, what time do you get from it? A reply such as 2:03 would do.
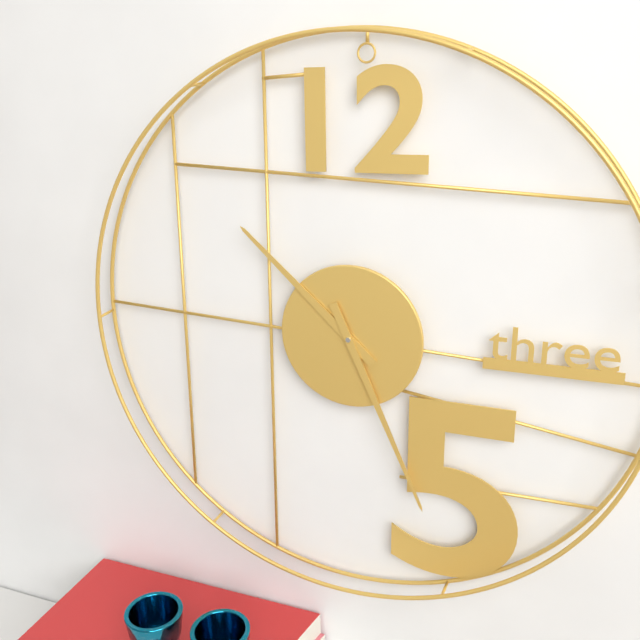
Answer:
10:26
